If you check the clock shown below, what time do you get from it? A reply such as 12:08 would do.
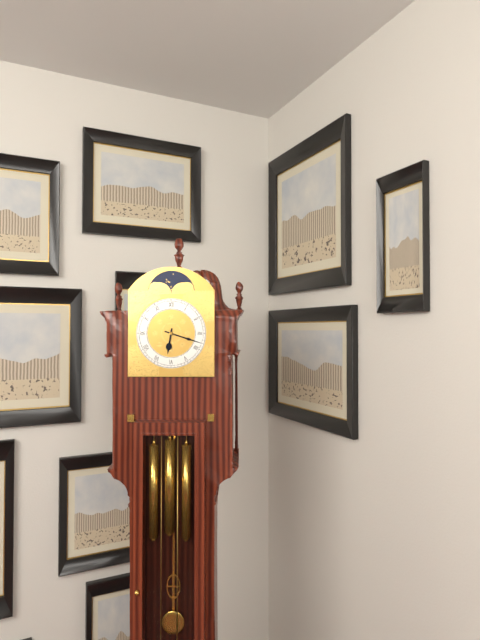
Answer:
6:18
